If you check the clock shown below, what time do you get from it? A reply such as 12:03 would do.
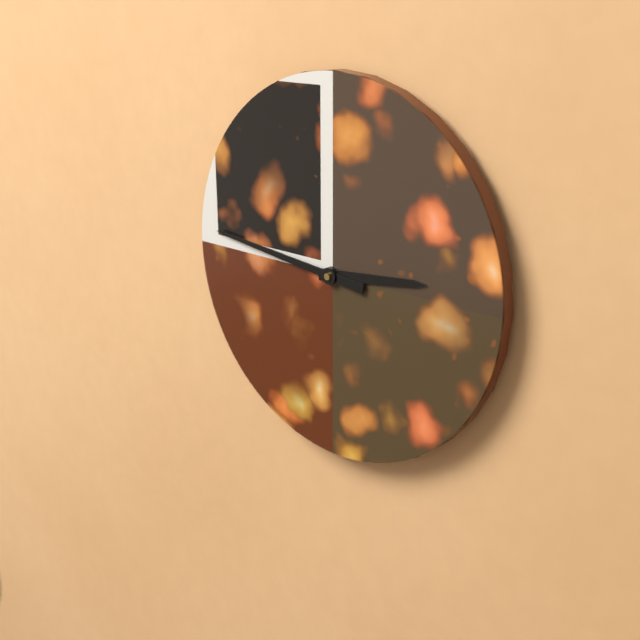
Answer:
2:46
